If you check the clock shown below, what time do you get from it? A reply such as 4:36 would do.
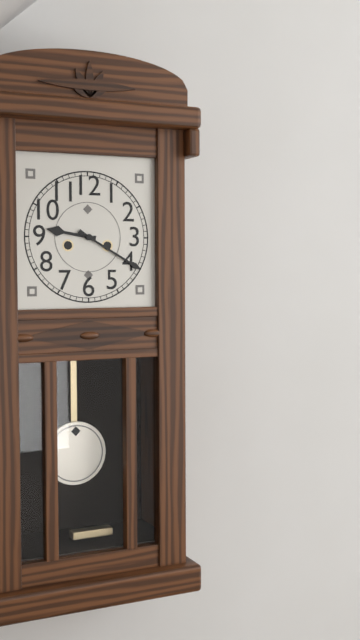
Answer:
9:20
